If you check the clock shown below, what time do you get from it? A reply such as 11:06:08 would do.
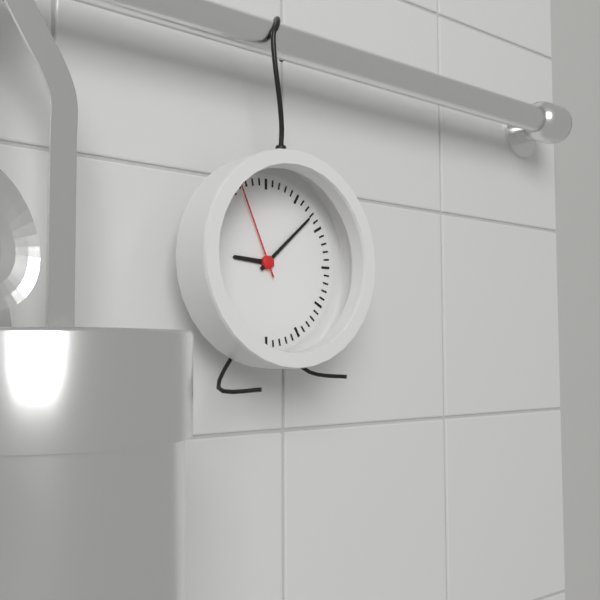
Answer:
9:08:56
